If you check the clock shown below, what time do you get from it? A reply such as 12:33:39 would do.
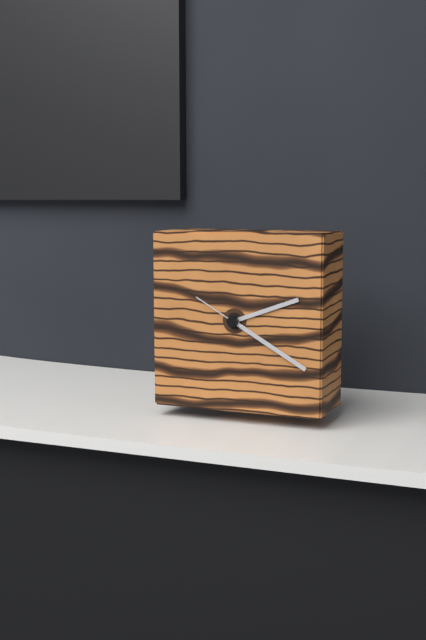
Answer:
2:20:50
